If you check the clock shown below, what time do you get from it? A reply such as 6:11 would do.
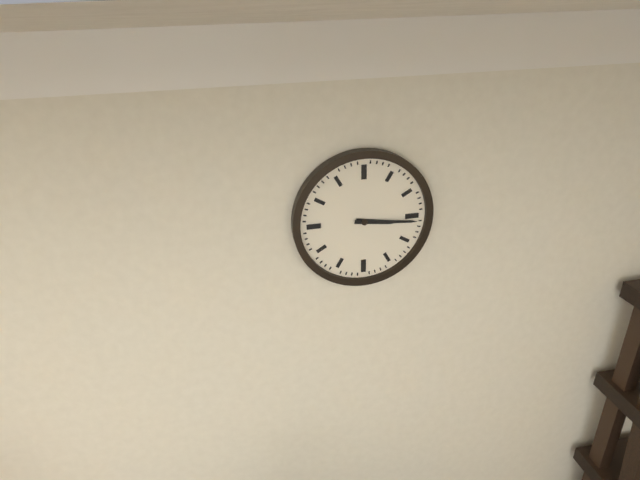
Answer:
3:16
